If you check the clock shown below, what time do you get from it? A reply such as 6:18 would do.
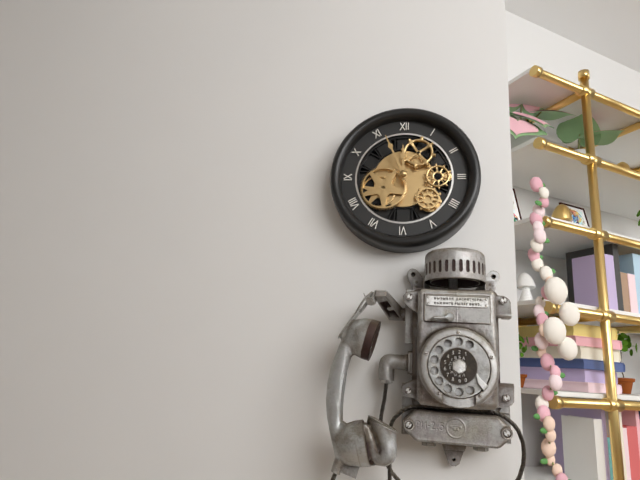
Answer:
11:56
